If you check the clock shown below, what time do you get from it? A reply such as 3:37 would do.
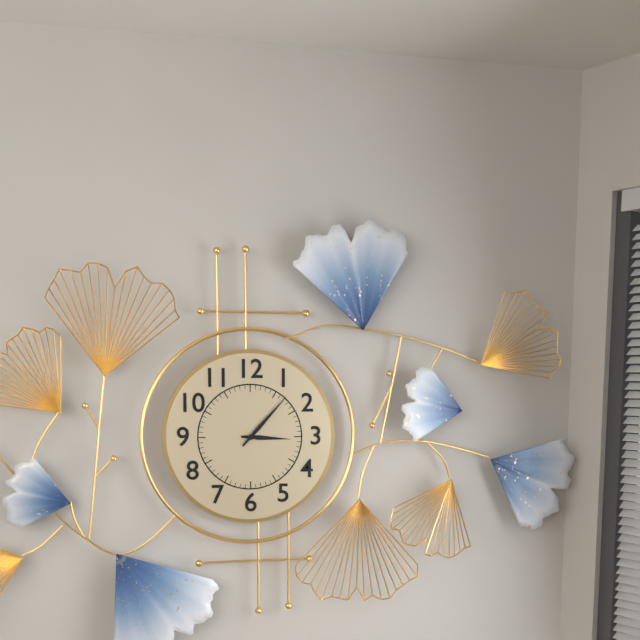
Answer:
3:07
